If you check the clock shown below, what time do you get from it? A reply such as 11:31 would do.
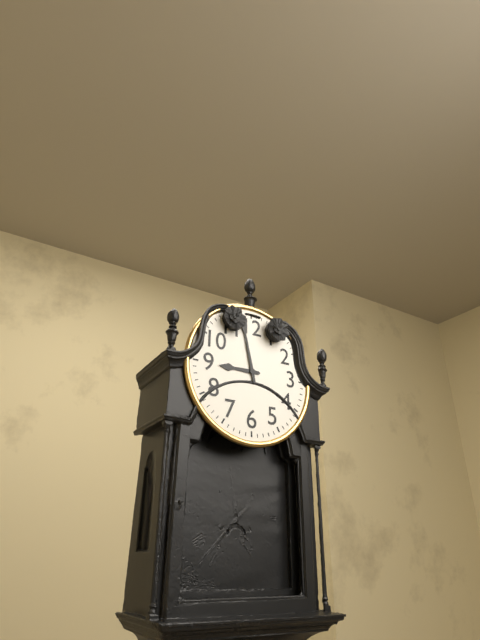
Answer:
8:58
